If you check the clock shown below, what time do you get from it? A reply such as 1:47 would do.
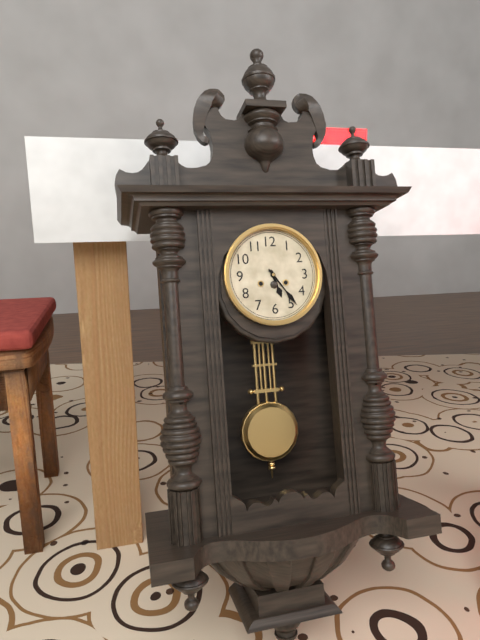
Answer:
5:24
